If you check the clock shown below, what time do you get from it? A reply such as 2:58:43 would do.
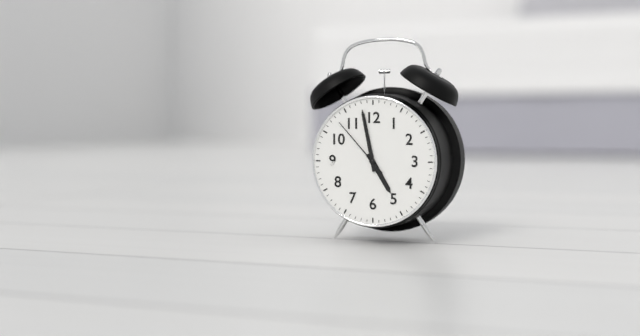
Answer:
4:58:53
